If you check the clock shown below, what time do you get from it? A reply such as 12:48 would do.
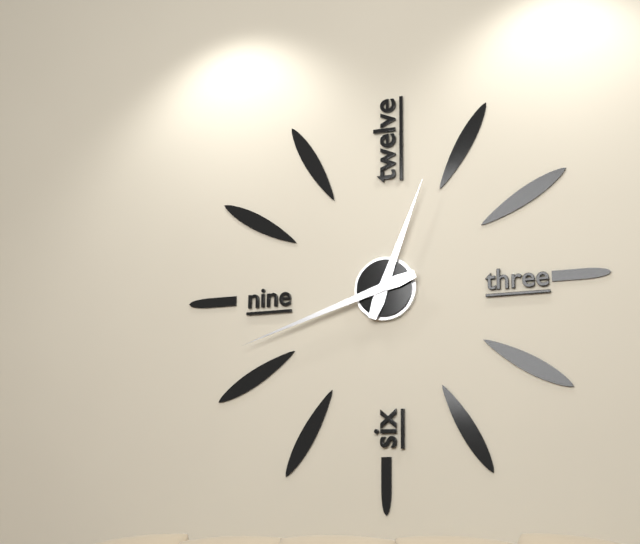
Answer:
12:42
